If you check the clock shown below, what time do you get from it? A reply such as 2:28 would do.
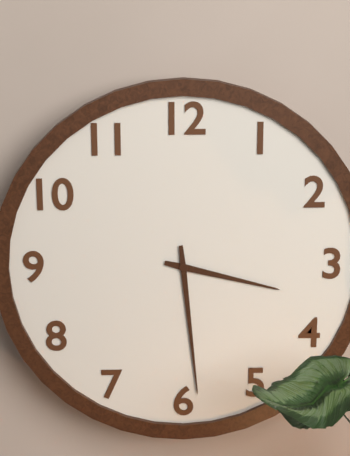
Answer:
3:29
